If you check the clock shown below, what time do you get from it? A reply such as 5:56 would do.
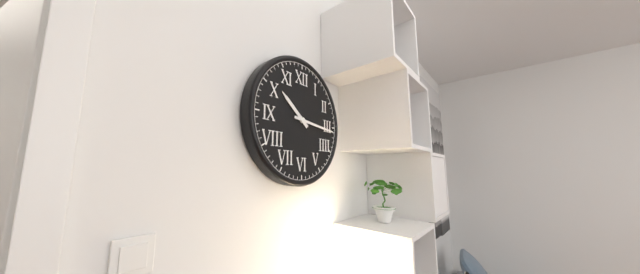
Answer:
10:16
